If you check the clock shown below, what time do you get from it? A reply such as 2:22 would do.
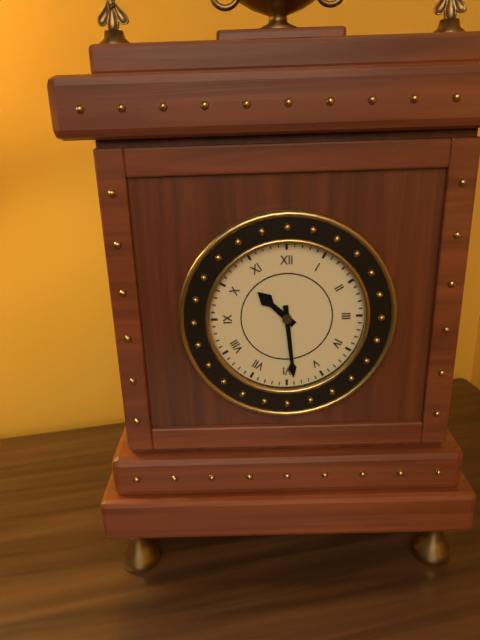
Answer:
10:29
